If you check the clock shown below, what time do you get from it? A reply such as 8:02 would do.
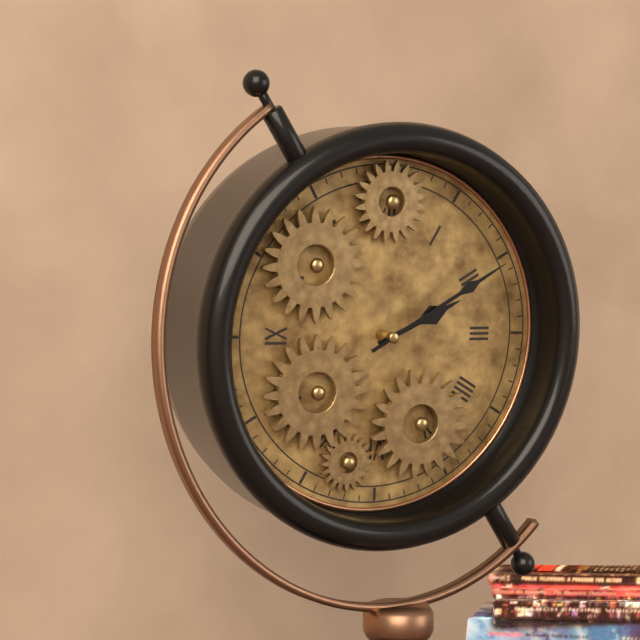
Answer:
2:10
